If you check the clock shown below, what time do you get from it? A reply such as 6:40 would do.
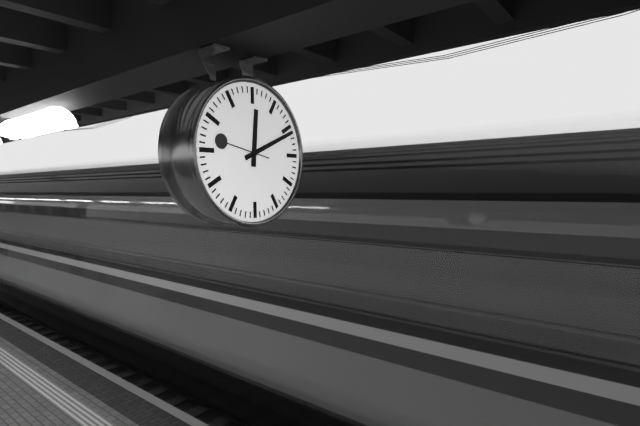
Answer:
12:11
